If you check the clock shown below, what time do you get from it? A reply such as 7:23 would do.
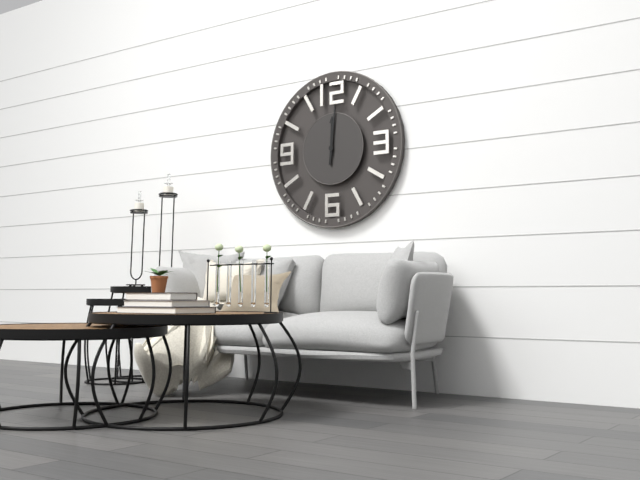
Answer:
12:01
